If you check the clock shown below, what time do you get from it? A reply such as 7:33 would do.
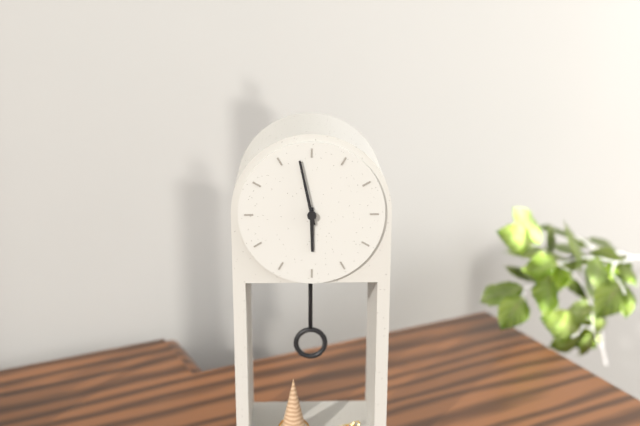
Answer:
5:58
